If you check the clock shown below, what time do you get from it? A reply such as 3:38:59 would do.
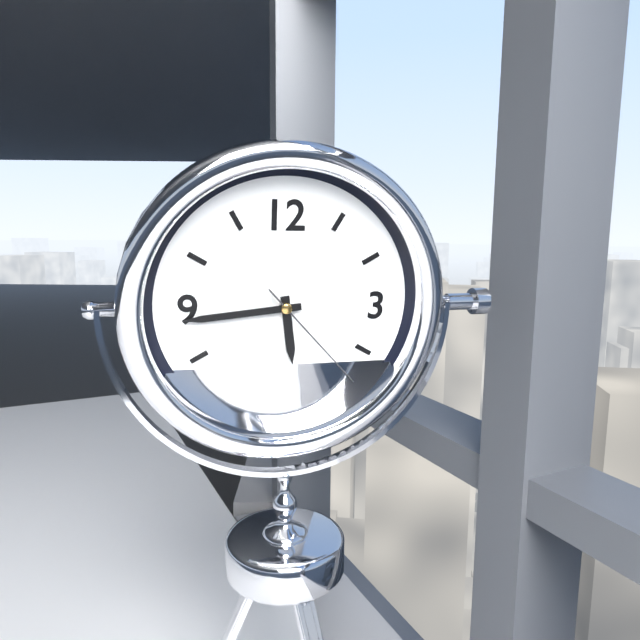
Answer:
5:44:23
